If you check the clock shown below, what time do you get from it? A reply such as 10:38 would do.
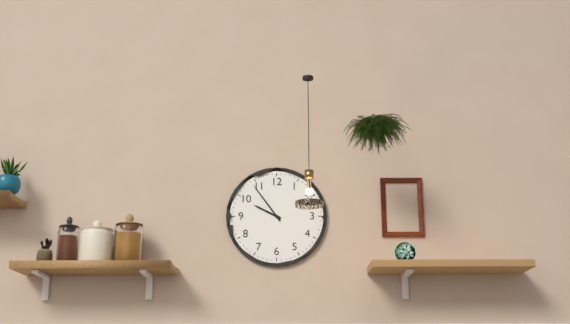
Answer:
9:54
